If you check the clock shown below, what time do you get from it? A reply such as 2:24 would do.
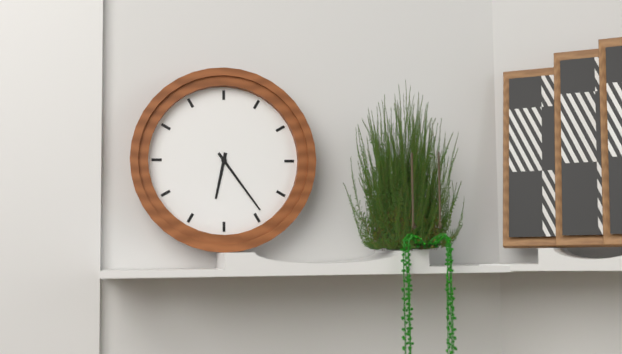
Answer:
6:24
